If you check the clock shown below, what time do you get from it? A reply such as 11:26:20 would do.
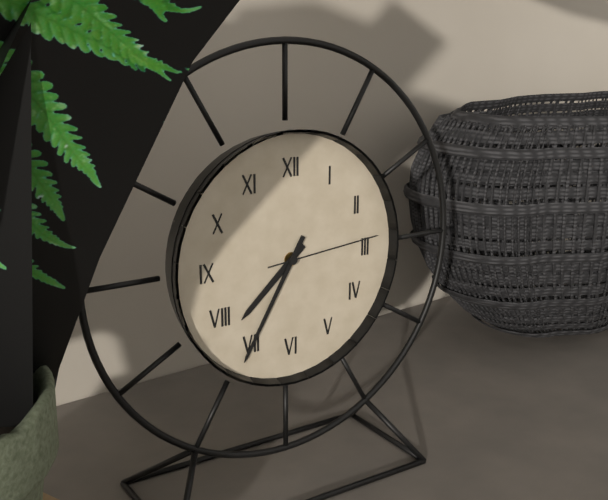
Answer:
7:35:14
